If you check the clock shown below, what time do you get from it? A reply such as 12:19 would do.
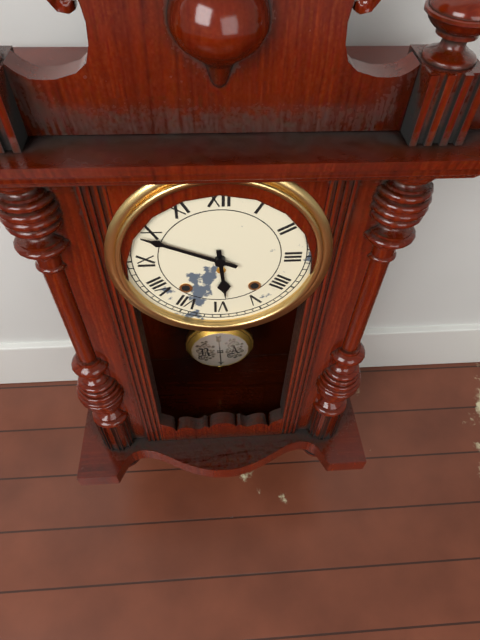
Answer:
5:49
